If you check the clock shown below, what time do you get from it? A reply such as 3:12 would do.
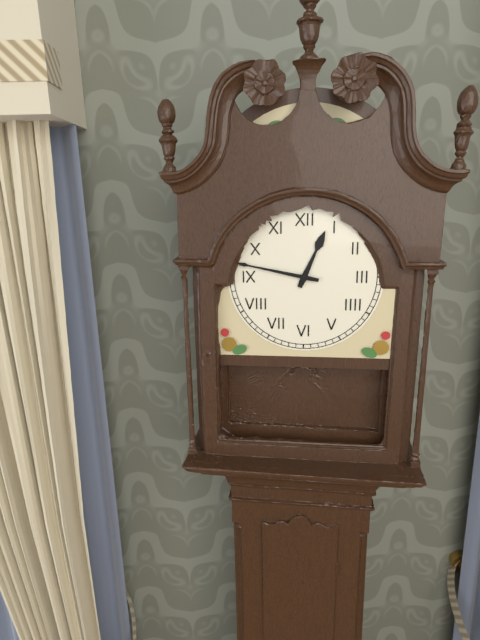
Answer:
12:47
